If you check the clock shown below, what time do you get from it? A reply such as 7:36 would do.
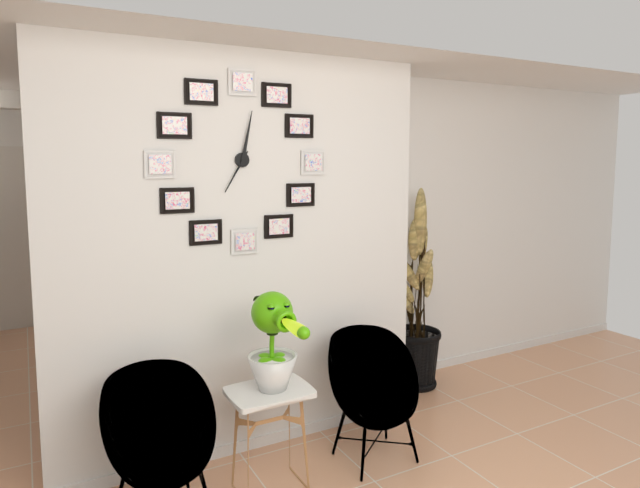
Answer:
7:02
